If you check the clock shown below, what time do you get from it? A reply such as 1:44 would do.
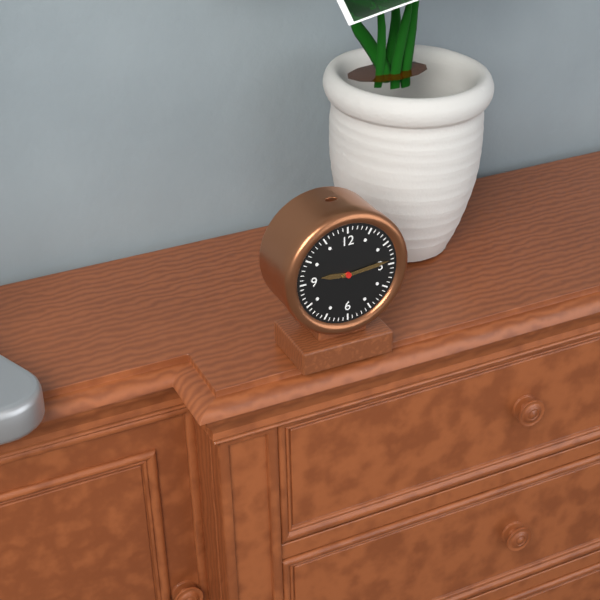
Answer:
9:14
